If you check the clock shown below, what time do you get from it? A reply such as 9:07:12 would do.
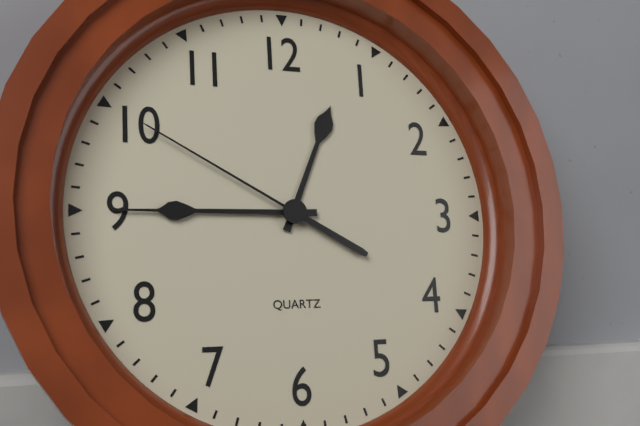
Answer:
12:45:50
